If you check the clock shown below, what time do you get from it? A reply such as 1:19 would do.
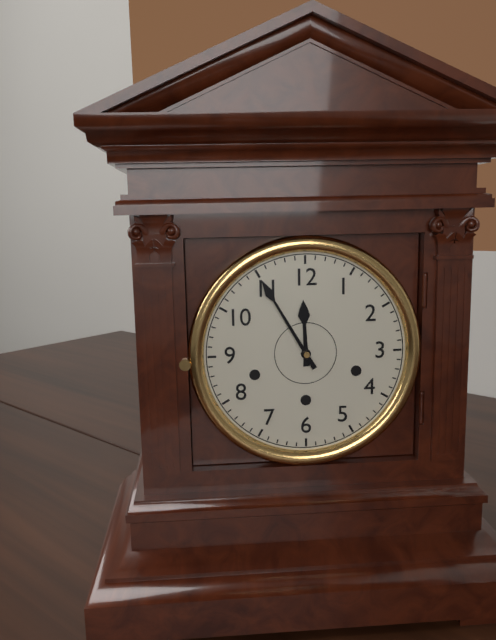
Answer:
11:55
